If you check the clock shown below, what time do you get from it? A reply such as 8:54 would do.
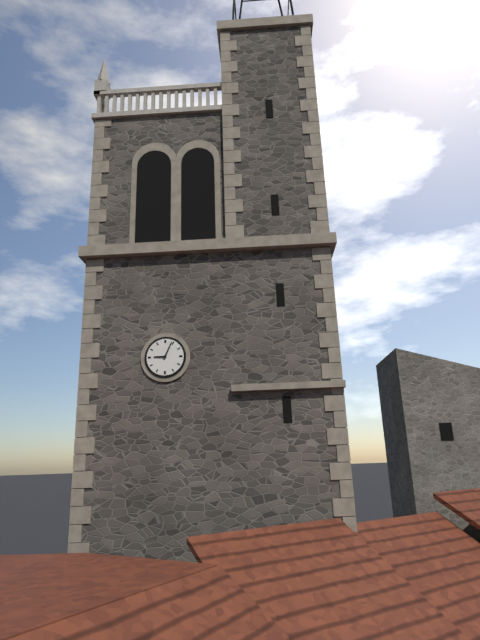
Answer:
9:04
